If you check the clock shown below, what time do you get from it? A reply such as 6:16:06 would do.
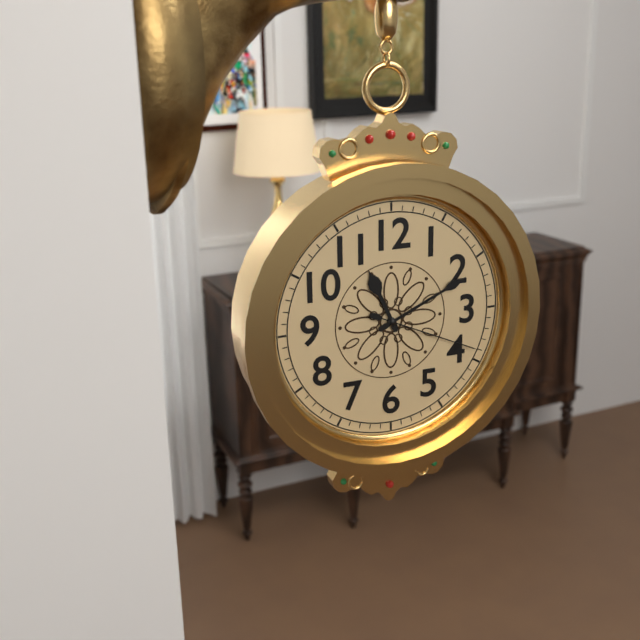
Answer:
11:11:19
